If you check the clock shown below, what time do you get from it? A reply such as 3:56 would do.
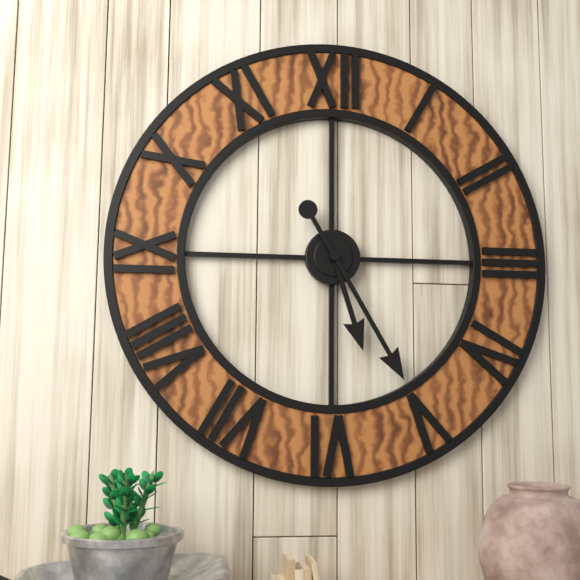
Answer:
5:25
